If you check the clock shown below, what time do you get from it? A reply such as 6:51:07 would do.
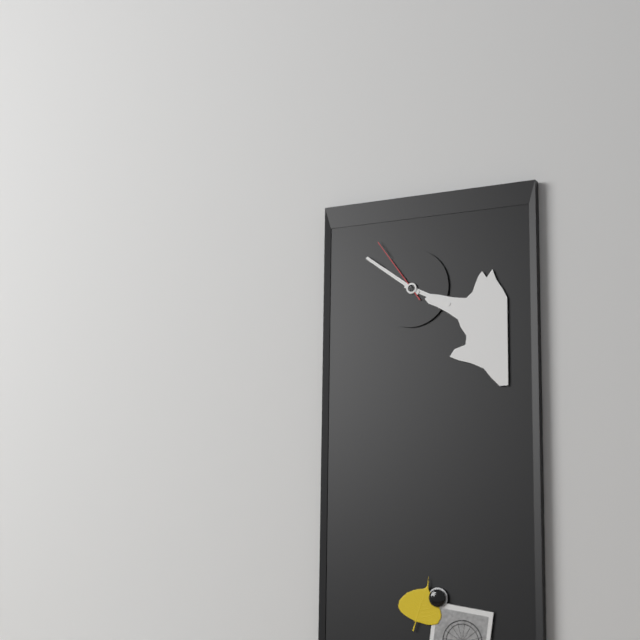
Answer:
3:51:54
